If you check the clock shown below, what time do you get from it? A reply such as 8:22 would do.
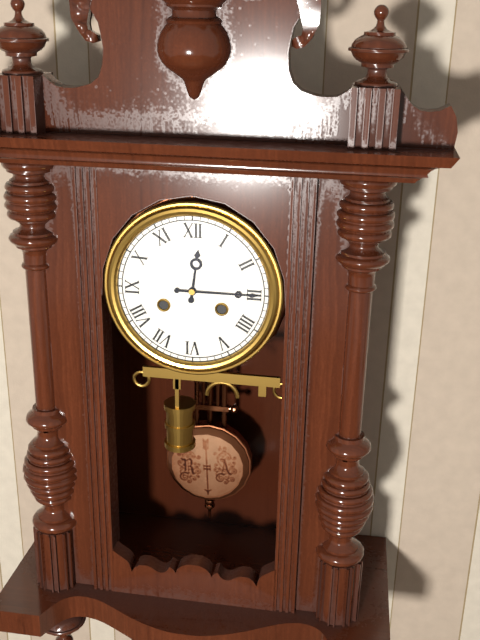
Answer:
12:15
